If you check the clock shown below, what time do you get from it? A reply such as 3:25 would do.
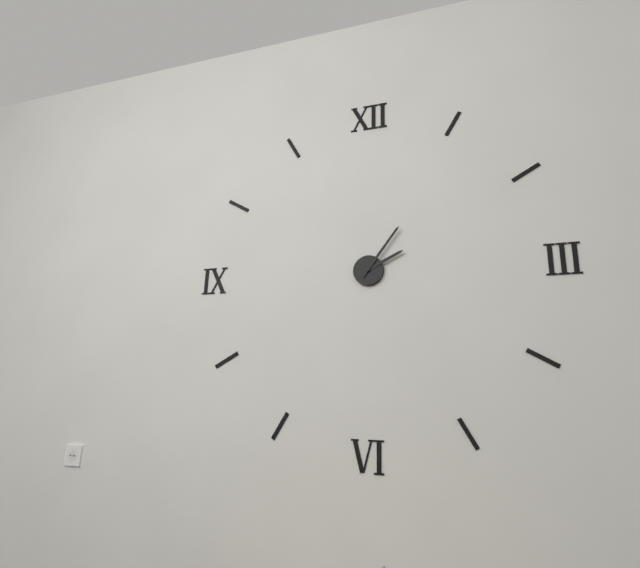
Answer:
2:06
